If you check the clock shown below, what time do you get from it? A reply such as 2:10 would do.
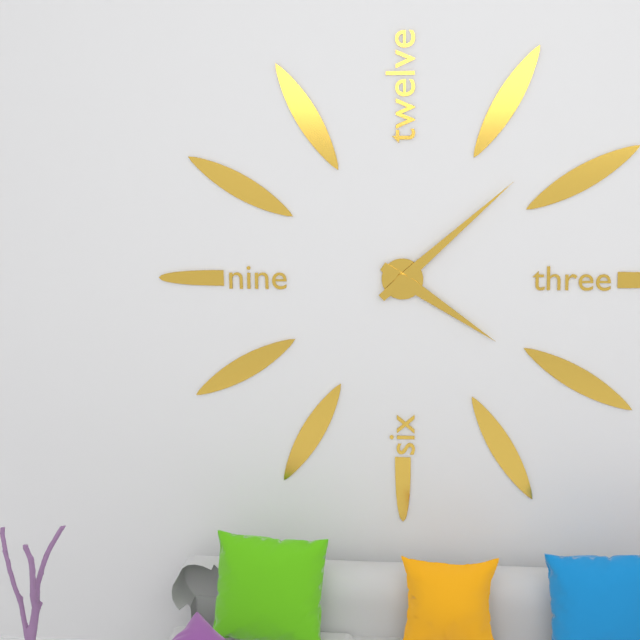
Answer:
4:08
